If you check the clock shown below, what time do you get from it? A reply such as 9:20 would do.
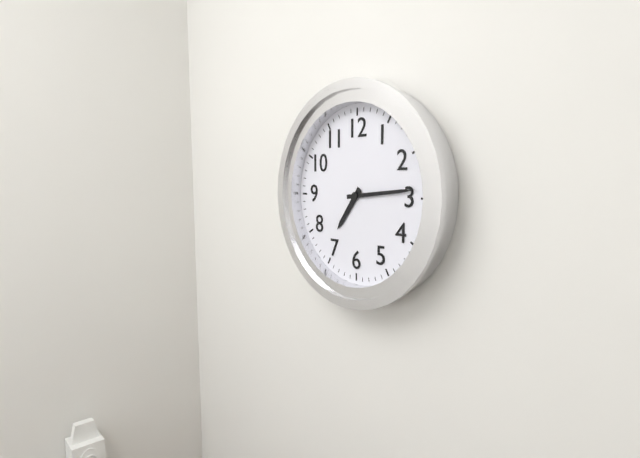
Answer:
7:14
